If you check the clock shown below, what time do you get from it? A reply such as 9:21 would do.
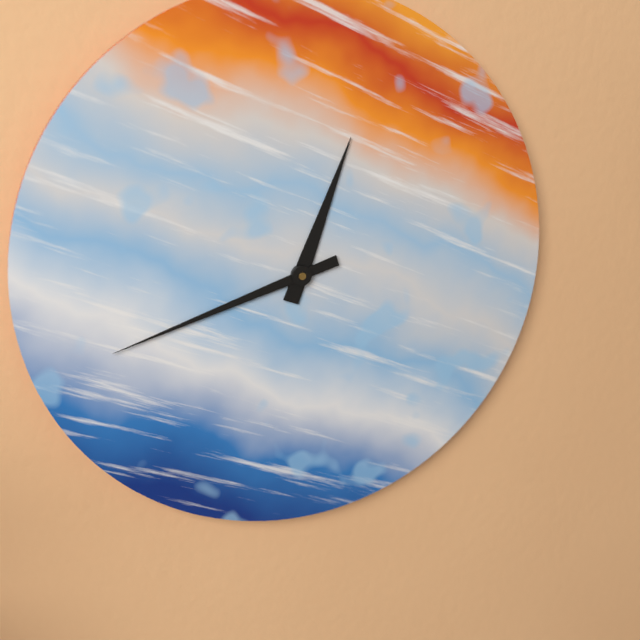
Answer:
12:42
